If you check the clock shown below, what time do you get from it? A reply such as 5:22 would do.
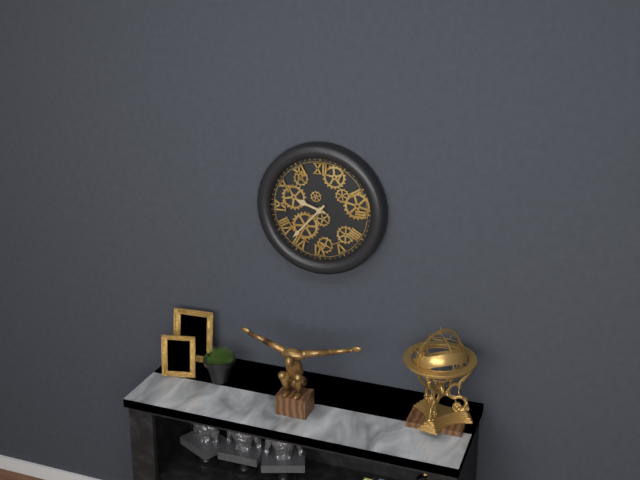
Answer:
9:37
